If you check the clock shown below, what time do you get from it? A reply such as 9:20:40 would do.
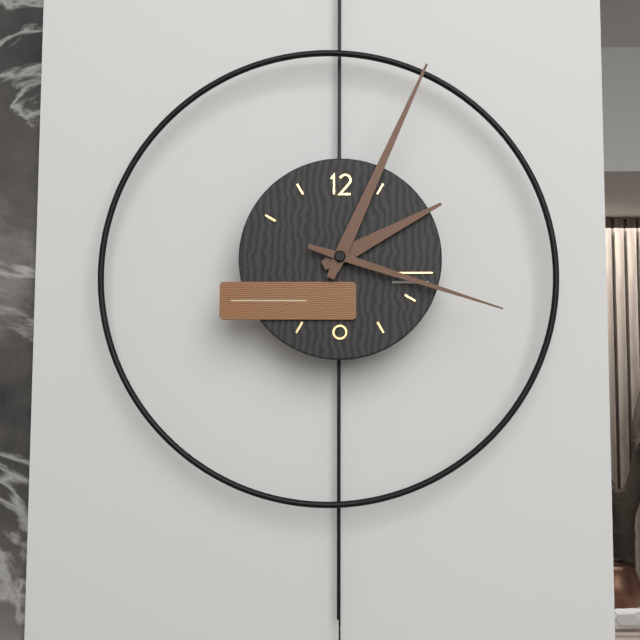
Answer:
2:04:18
